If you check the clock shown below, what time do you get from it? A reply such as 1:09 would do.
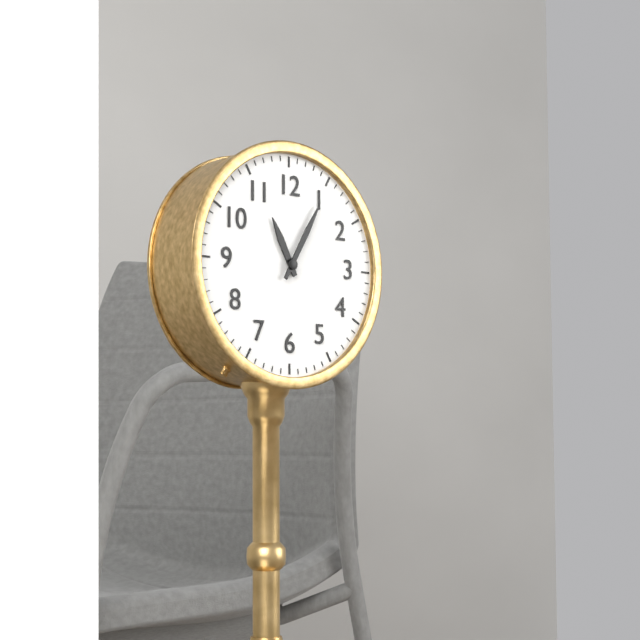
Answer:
11:05
